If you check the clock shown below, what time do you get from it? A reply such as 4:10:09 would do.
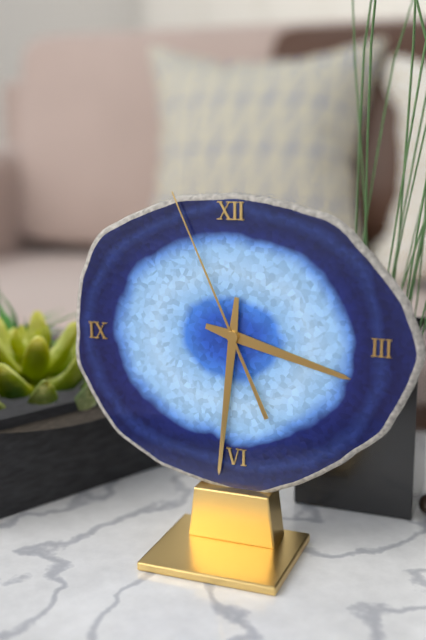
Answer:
3:31:56
